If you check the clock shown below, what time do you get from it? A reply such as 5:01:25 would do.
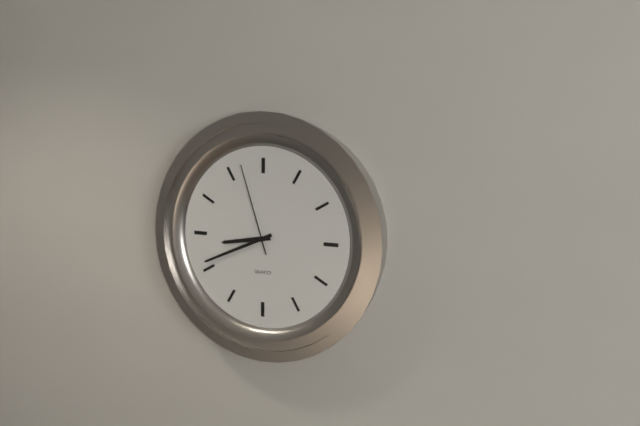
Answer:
8:41:57
